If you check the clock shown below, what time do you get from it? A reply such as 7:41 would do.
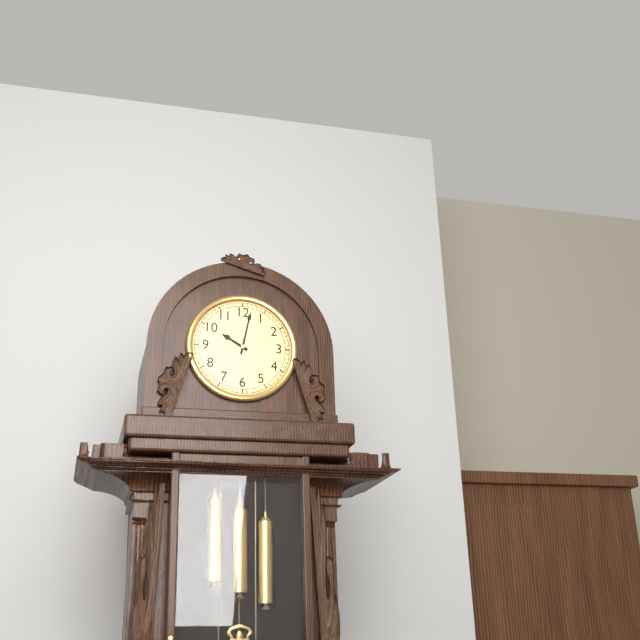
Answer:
10:02
